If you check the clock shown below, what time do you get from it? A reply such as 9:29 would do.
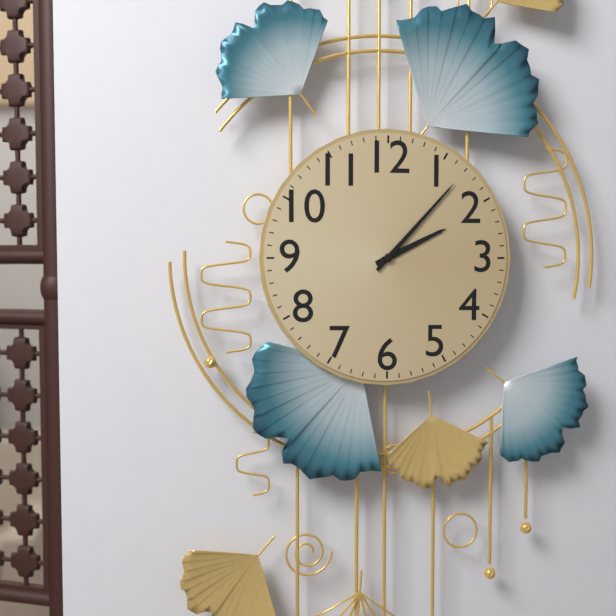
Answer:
2:07
